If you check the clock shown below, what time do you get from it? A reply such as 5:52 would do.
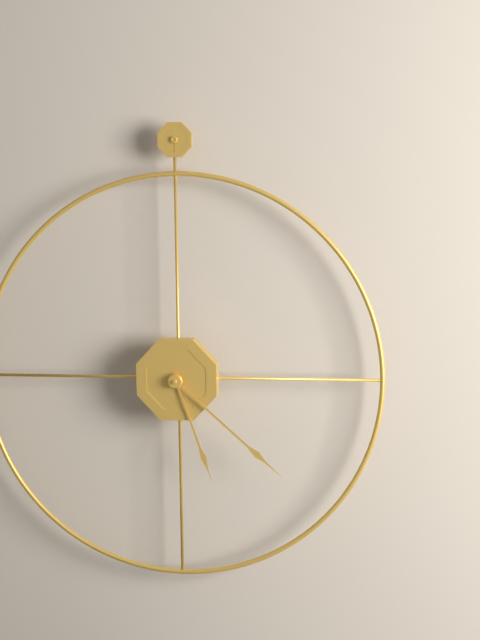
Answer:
5:22
